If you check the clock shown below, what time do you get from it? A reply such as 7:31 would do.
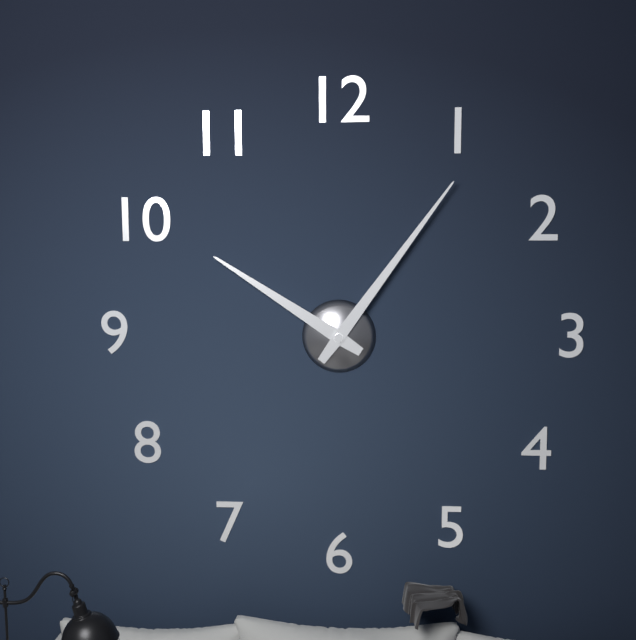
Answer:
10:06
